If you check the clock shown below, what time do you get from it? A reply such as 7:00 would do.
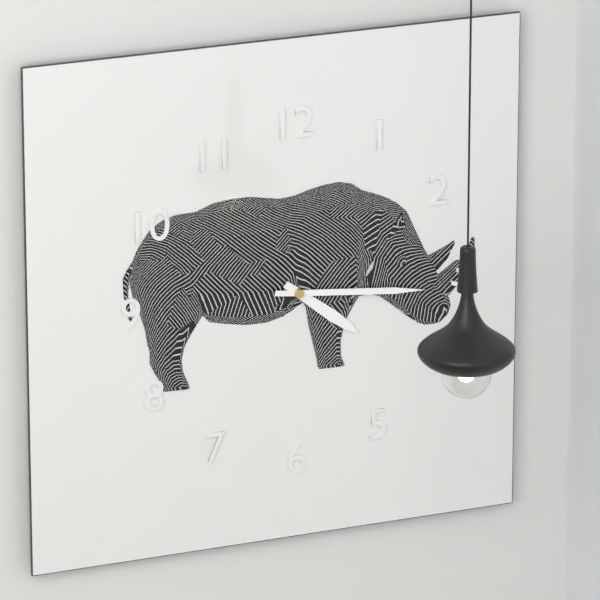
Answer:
4:16
